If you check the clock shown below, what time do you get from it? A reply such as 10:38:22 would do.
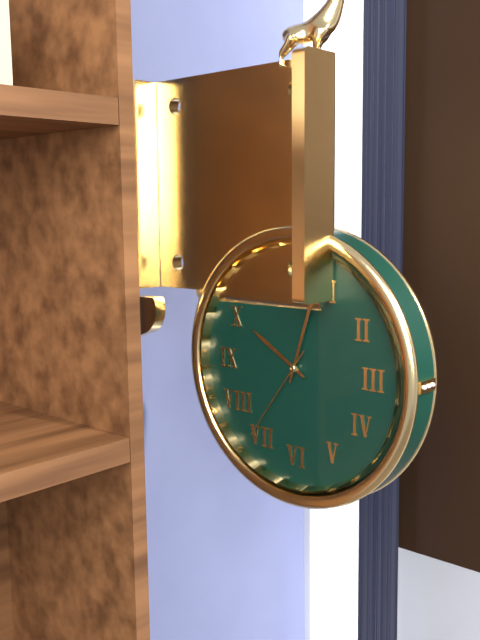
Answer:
10:03:36
